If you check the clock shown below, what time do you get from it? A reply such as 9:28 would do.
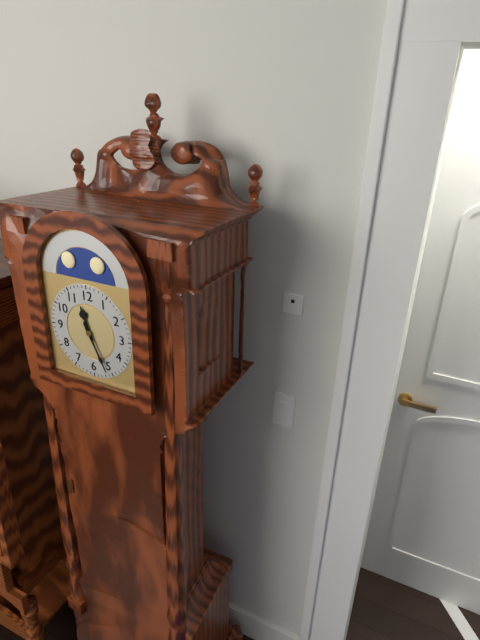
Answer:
11:26
